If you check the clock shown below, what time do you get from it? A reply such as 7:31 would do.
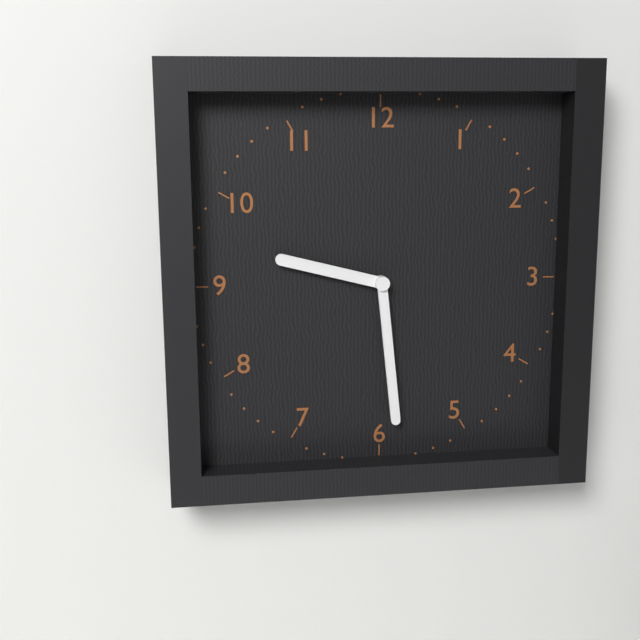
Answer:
9:29
